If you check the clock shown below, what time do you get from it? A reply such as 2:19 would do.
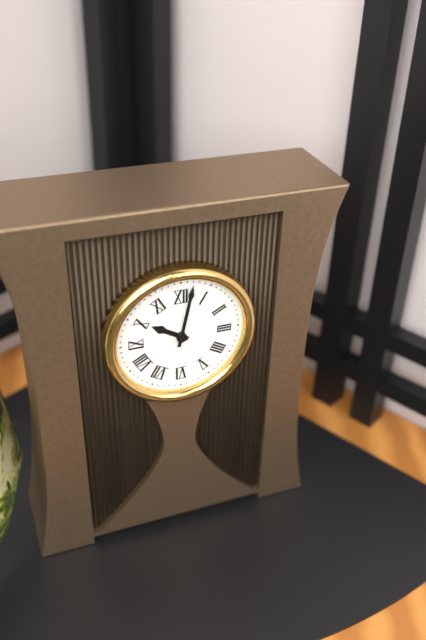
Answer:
10:02
